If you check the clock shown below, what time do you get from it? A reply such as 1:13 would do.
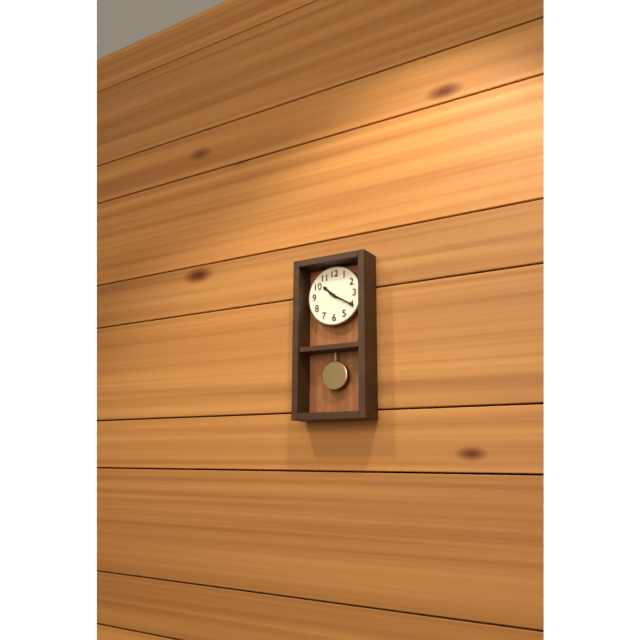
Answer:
10:20
